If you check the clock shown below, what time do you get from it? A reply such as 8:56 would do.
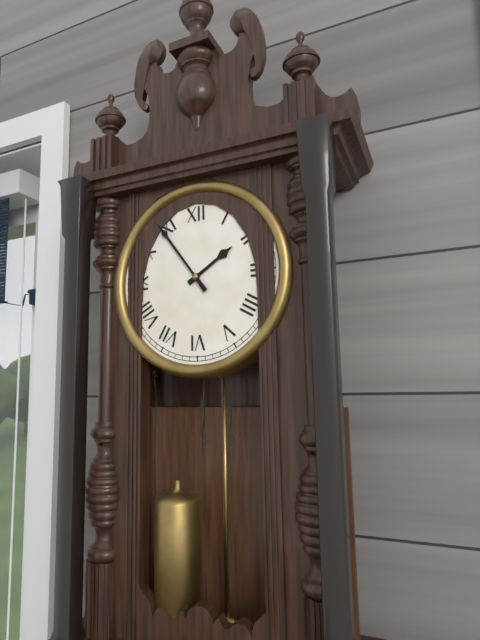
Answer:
1:54
